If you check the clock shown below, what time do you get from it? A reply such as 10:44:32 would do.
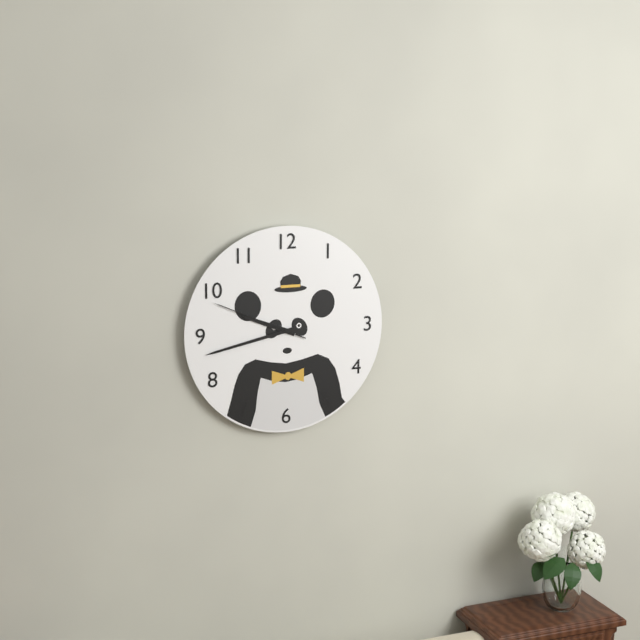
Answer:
9:43:49
